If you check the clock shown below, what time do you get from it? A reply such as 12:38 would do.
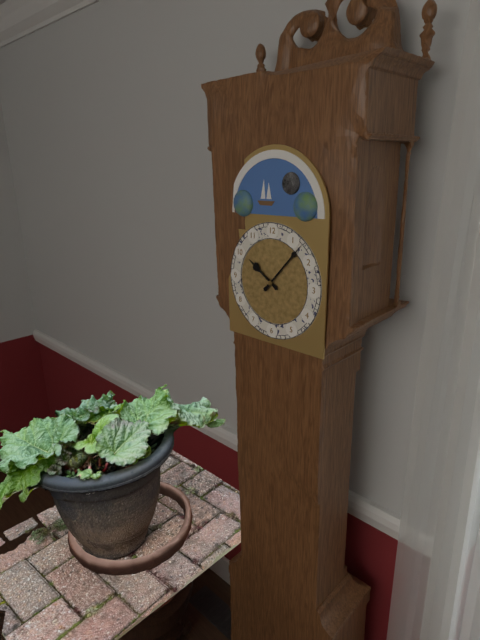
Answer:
10:07
